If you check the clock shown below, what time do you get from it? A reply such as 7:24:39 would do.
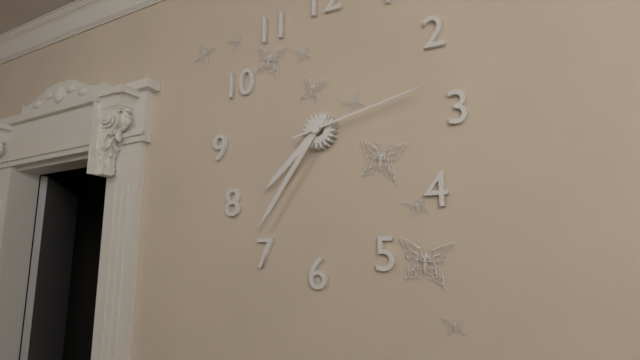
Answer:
7:36:13
